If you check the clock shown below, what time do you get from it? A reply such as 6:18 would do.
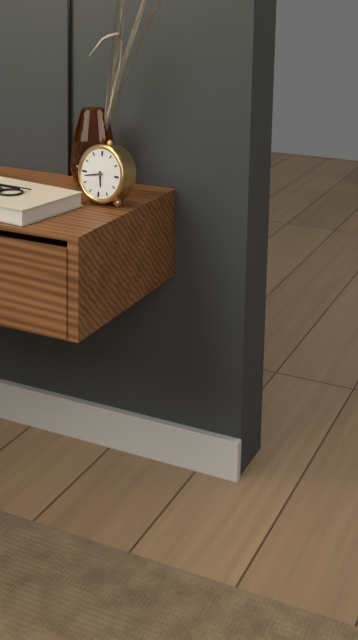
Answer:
5:43
